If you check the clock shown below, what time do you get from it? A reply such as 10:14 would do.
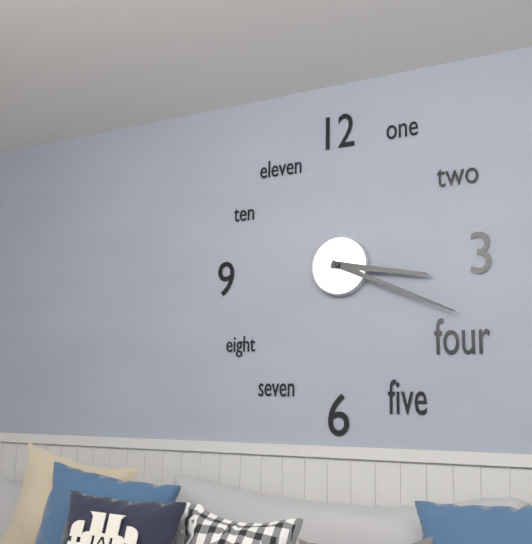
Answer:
3:19
